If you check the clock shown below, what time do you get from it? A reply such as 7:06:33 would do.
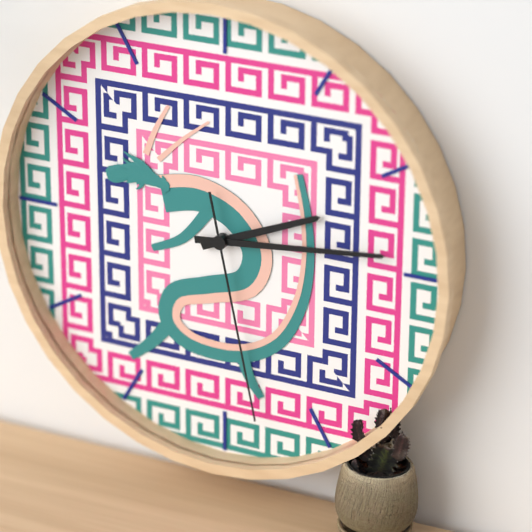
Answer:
2:14:28
